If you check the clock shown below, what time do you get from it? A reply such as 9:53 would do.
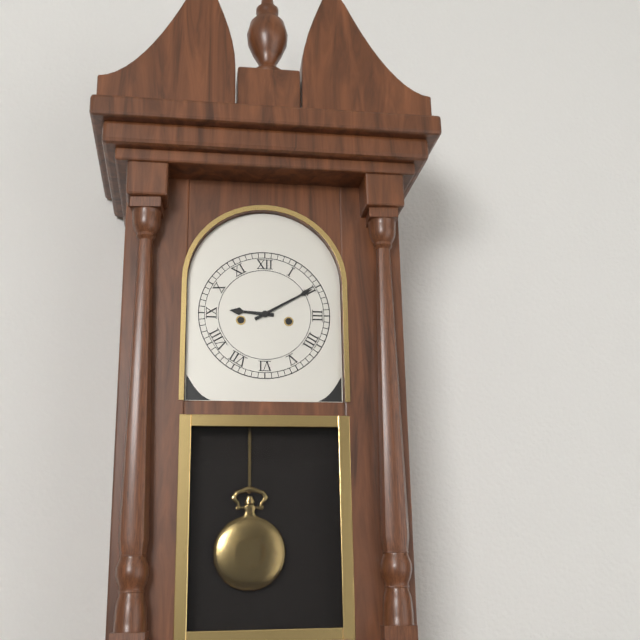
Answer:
9:10
